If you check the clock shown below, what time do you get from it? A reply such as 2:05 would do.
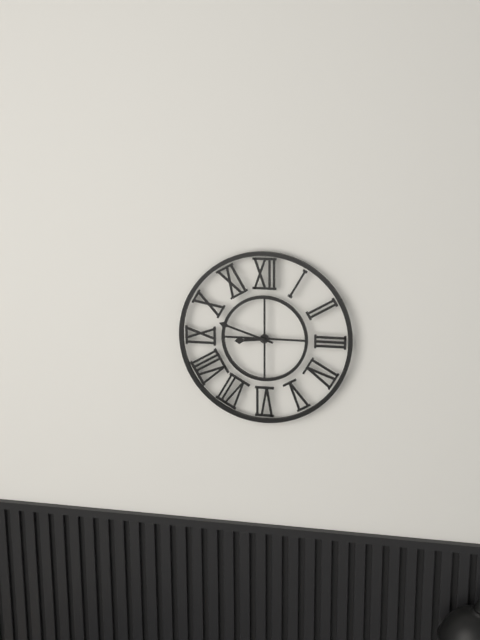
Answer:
8:48
